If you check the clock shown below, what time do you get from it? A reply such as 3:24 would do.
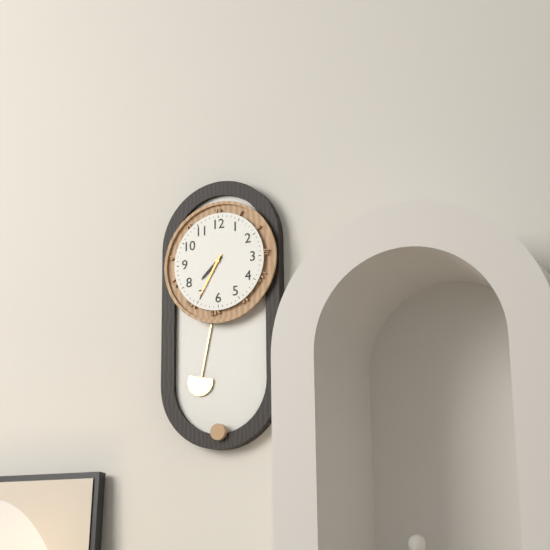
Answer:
7:35
